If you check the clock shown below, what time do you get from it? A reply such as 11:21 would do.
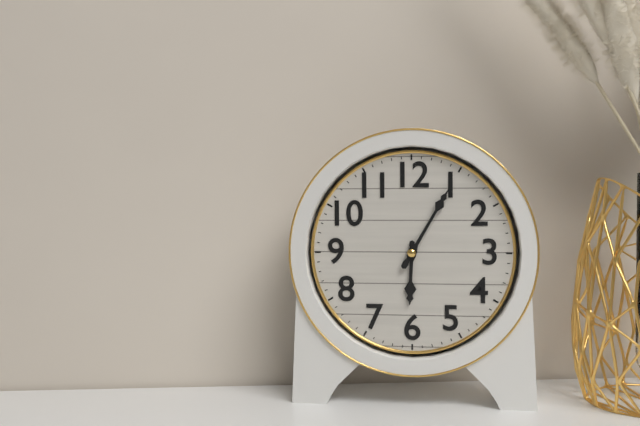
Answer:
6:05
